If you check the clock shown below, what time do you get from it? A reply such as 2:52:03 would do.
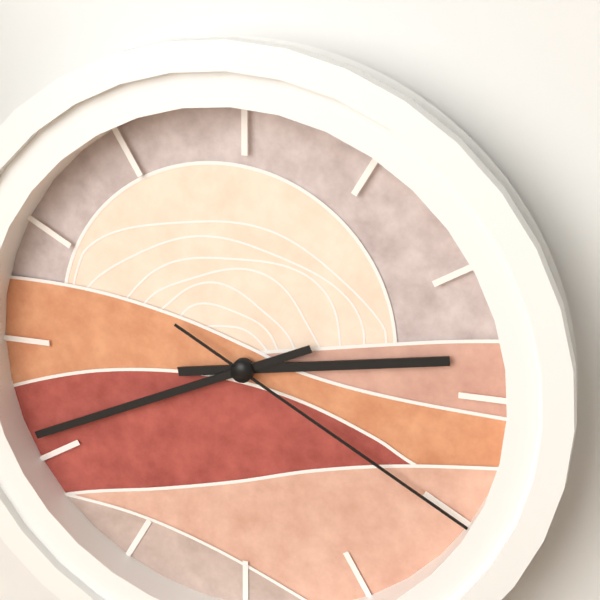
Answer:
2:41:20
